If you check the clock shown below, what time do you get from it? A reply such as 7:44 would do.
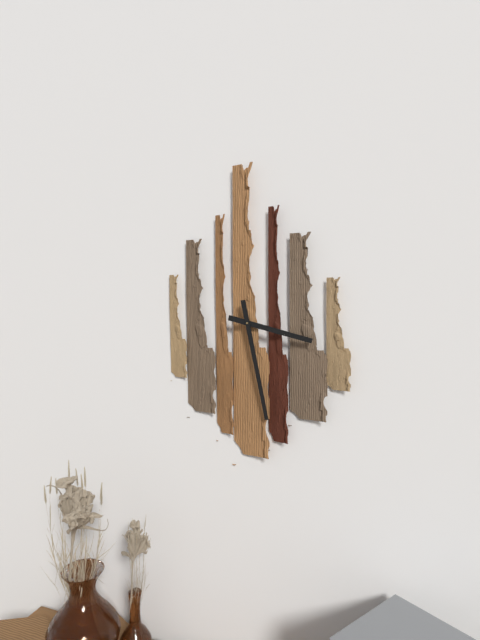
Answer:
3:28
